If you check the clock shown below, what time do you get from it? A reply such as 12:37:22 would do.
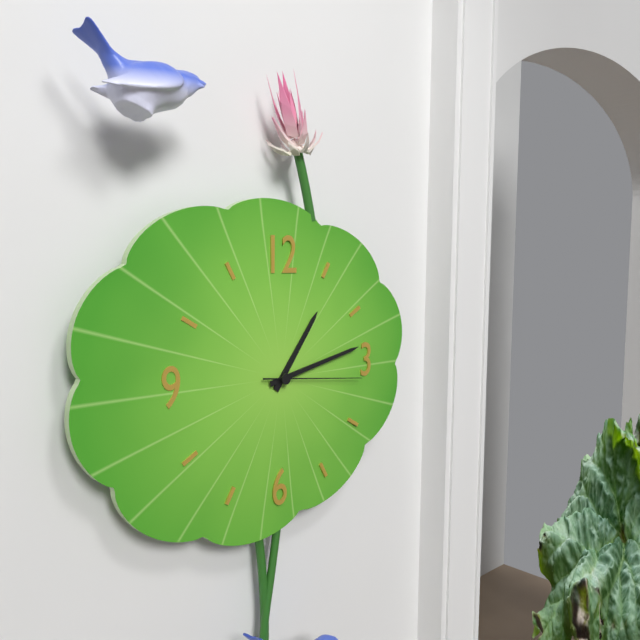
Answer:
1:13:16
